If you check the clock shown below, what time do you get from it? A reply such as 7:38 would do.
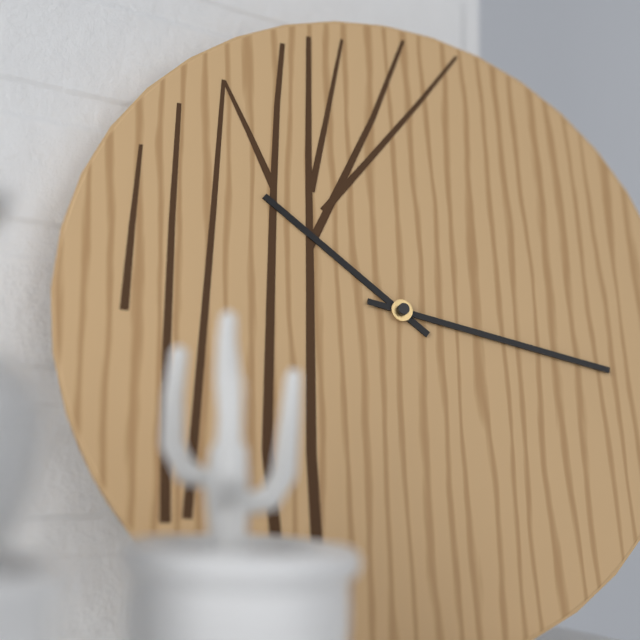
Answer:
10:17
